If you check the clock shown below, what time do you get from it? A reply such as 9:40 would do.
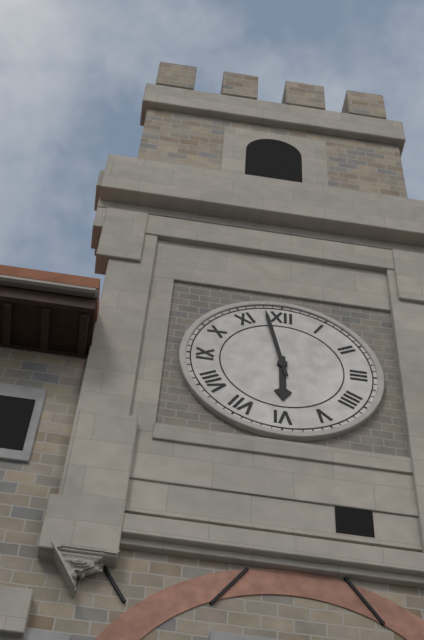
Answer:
5:58
